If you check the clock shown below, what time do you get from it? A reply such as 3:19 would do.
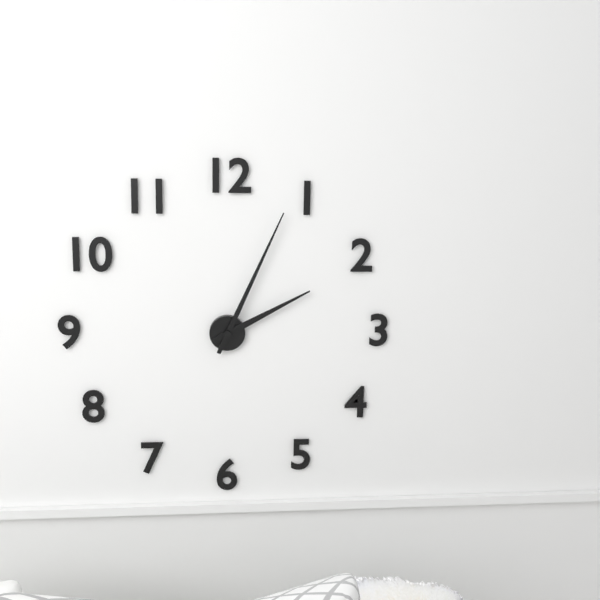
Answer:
2:04
